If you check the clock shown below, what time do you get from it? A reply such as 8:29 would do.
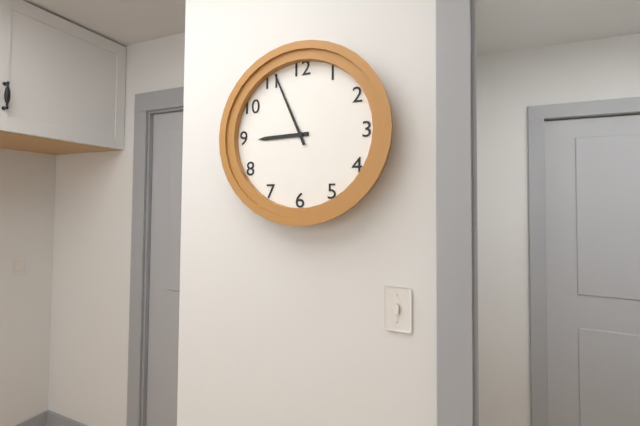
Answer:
8:56
